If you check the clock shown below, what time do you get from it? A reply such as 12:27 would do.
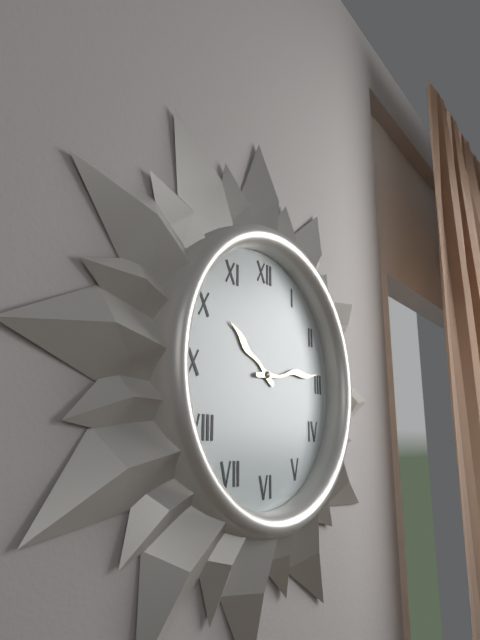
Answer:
10:14
